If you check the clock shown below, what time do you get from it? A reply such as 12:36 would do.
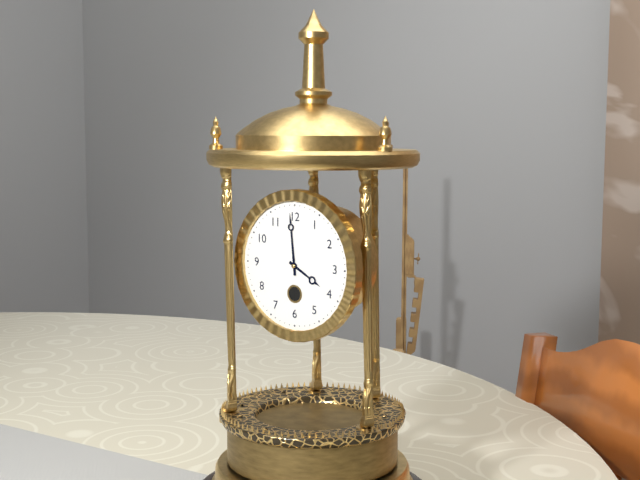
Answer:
3:59
